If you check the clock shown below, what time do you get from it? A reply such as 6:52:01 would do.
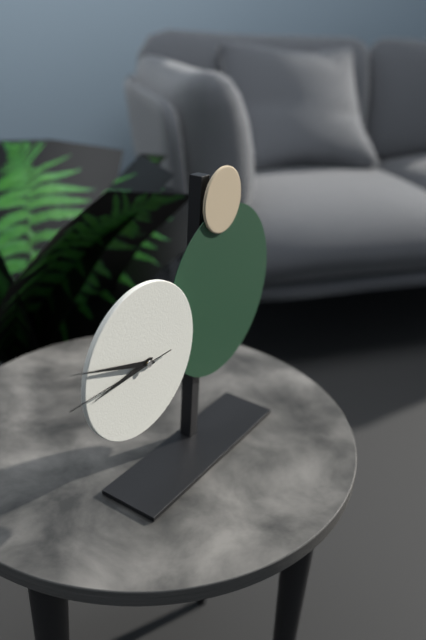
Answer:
8:48:45
